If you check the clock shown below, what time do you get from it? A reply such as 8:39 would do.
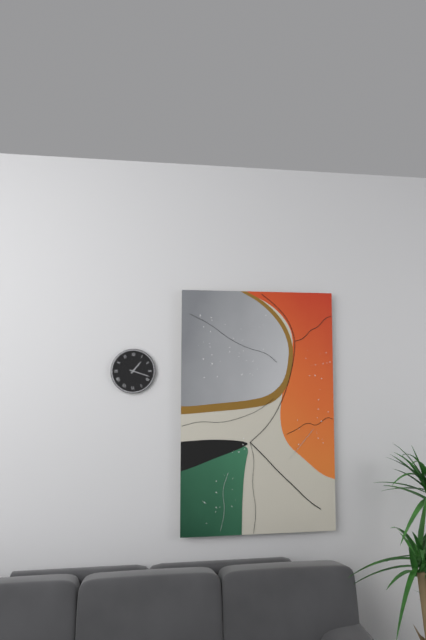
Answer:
1:18
